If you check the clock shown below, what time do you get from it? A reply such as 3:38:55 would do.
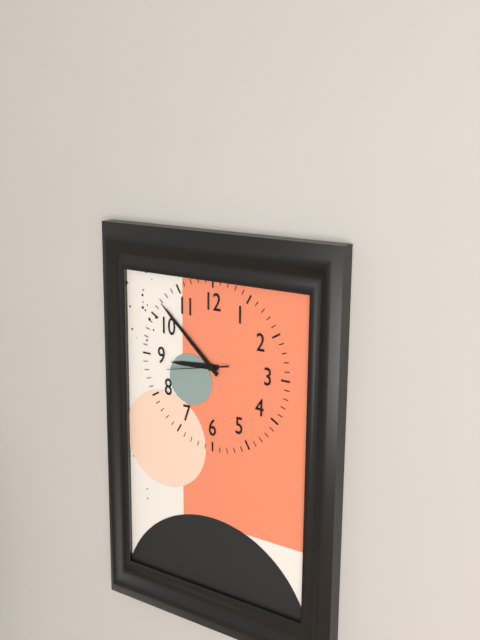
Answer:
8:52:43
